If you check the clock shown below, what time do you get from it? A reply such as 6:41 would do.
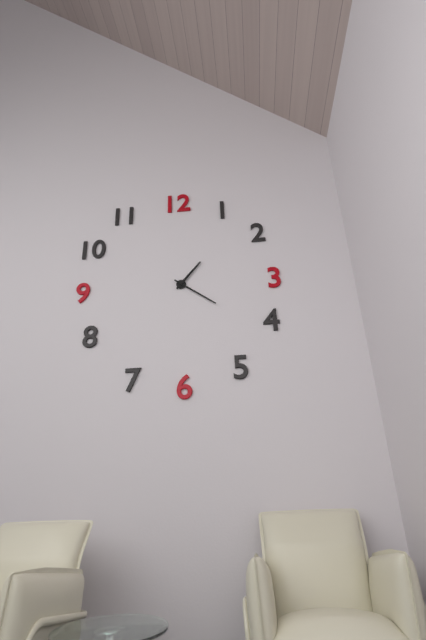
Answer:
1:21
